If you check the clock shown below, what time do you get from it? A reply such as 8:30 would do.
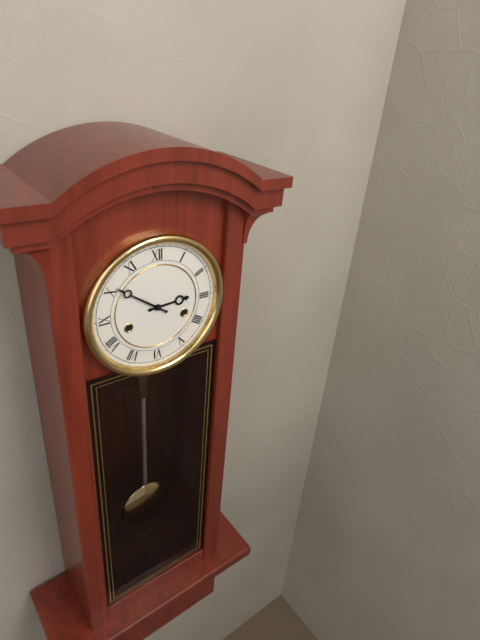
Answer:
2:51
